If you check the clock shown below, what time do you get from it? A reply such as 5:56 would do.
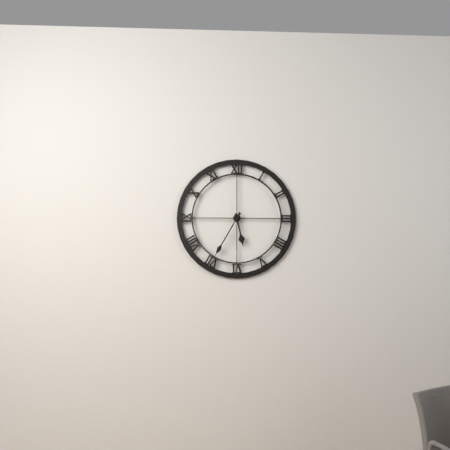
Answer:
5:35
